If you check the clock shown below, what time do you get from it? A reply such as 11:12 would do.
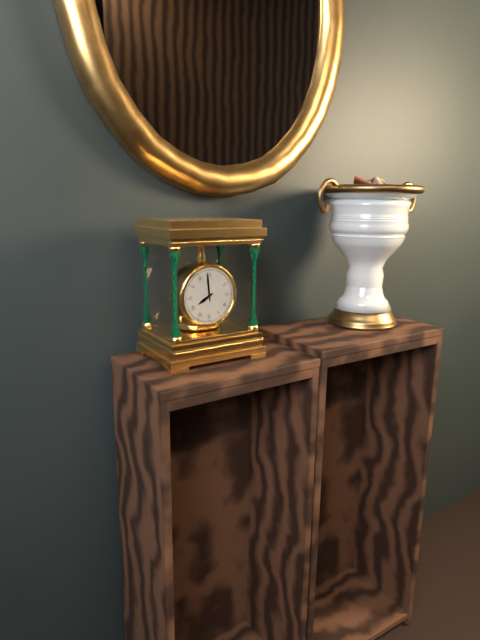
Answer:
7:59
